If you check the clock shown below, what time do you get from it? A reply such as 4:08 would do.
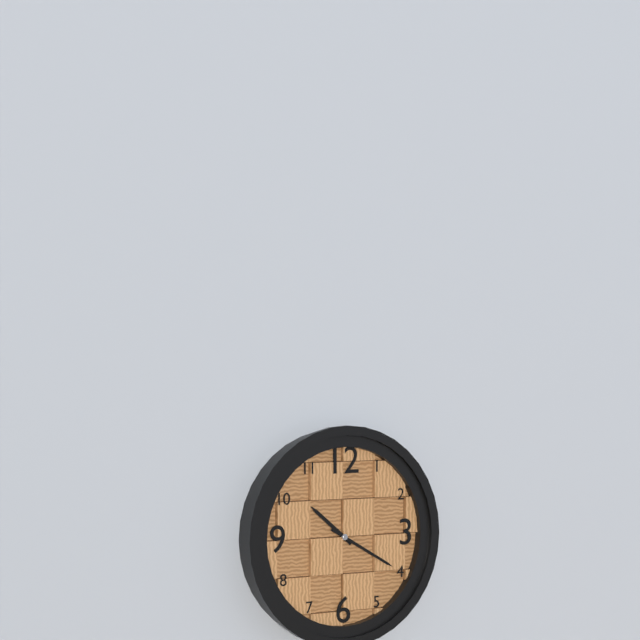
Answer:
10:20
